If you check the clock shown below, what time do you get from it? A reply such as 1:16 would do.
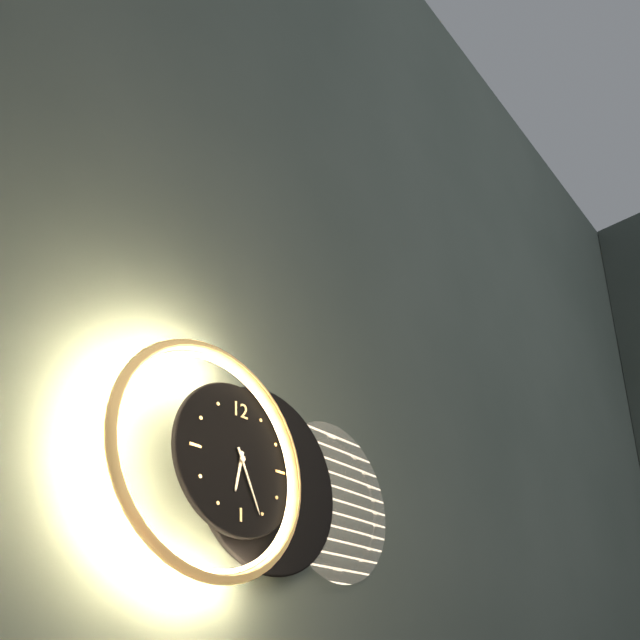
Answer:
6:26
